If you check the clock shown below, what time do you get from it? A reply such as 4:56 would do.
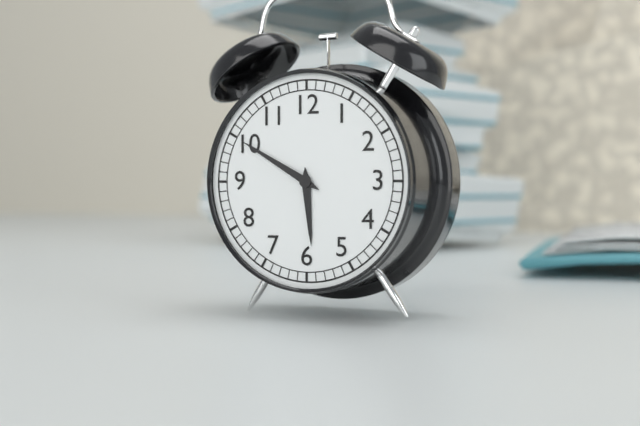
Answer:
5:50
